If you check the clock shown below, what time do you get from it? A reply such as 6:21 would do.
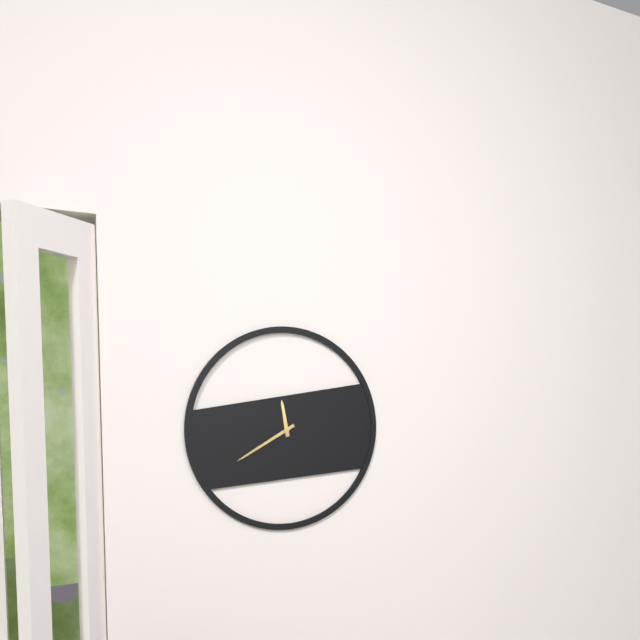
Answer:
11:40
